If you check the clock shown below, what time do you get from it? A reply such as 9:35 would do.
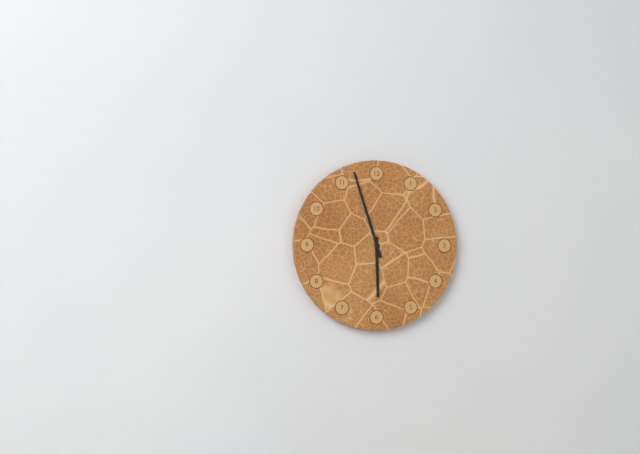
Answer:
5:57
